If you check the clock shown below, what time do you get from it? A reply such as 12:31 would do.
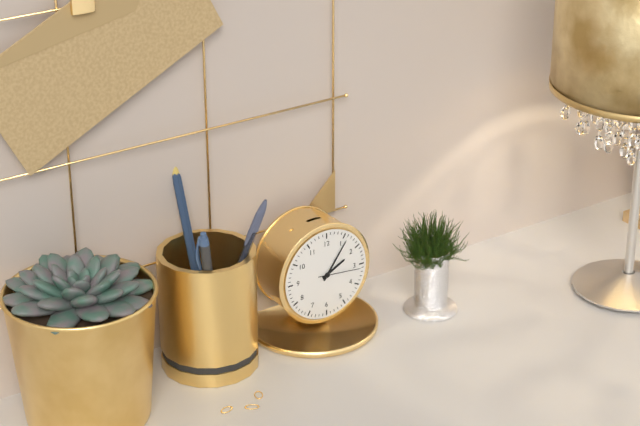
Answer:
2:06
